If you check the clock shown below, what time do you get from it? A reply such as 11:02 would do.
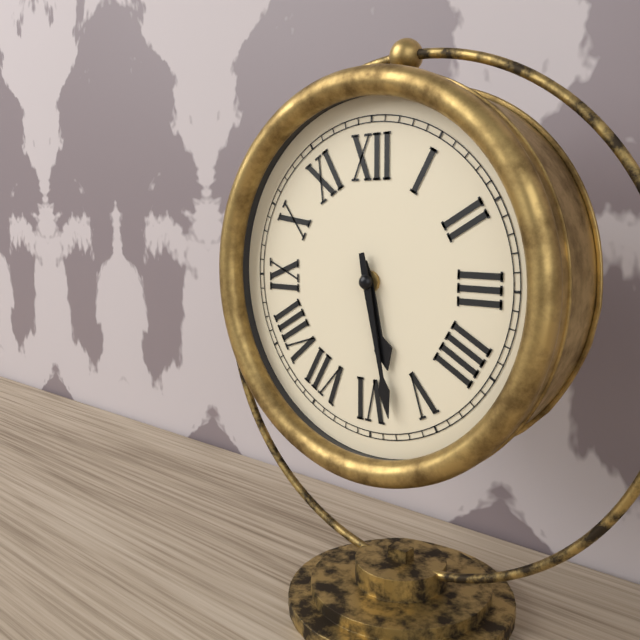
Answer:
5:28
